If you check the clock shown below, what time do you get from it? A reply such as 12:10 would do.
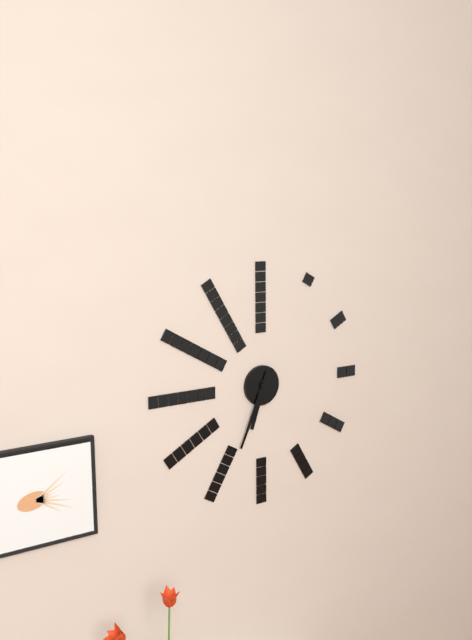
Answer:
6:34
